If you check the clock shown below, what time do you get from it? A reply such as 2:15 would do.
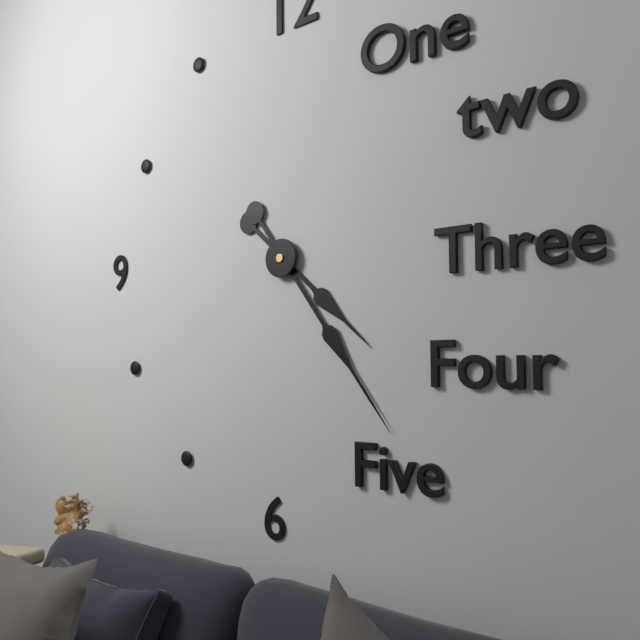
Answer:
4:24
